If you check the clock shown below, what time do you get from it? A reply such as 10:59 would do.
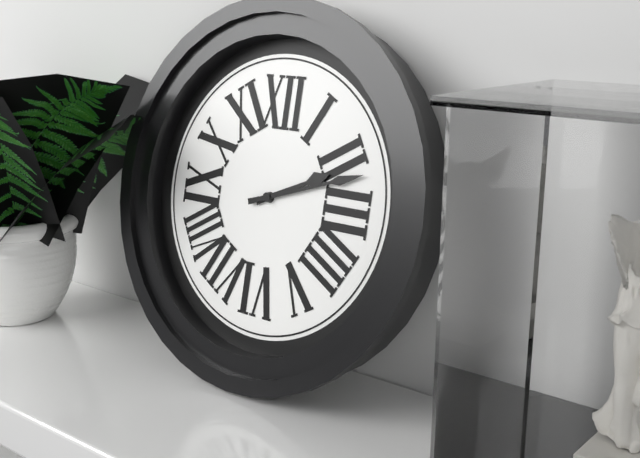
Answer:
2:12
